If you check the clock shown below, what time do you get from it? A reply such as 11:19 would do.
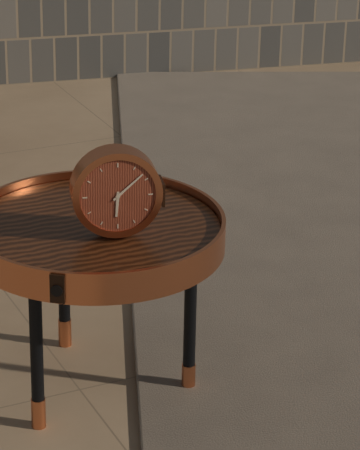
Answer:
6:08
